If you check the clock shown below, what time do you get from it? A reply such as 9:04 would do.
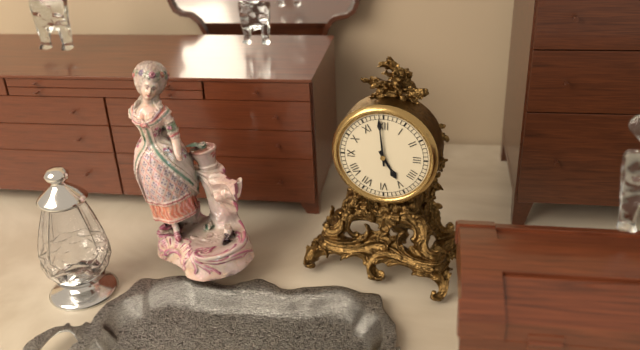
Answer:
4:59
